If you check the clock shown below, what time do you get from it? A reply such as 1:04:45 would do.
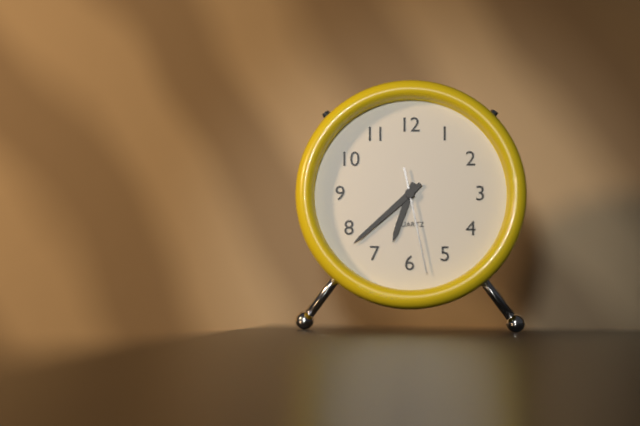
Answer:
6:38:28
